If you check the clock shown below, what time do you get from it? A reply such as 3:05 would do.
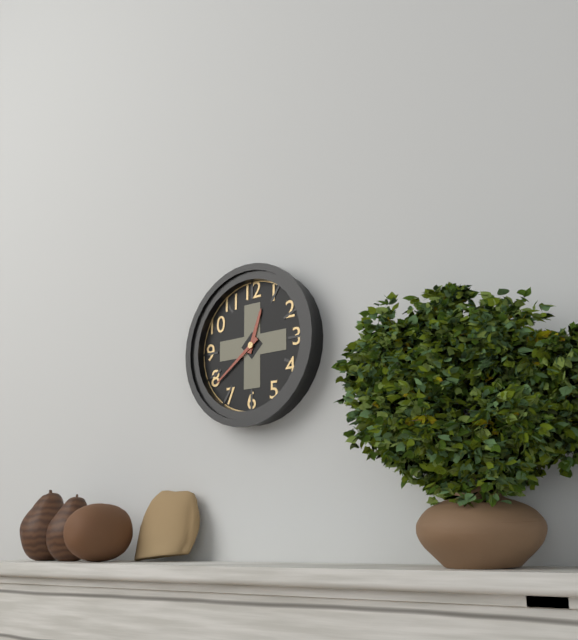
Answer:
12:39
